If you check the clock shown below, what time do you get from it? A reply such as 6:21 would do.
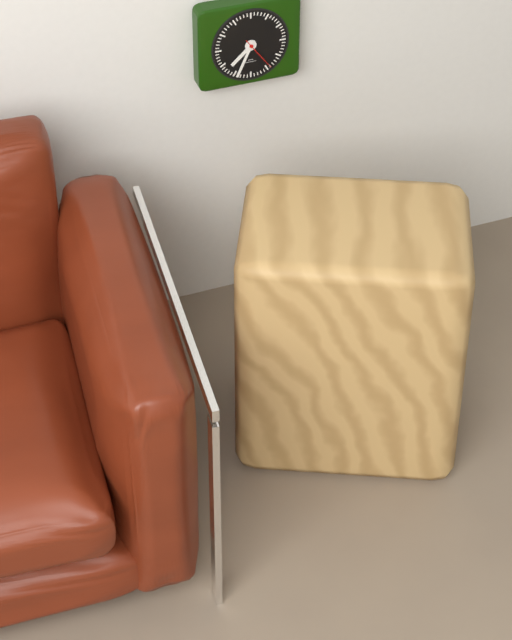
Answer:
7:34
